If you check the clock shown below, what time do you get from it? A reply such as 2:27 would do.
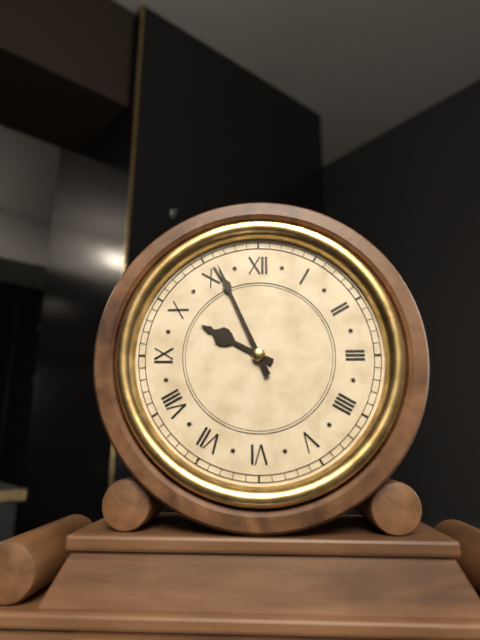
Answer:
9:56
